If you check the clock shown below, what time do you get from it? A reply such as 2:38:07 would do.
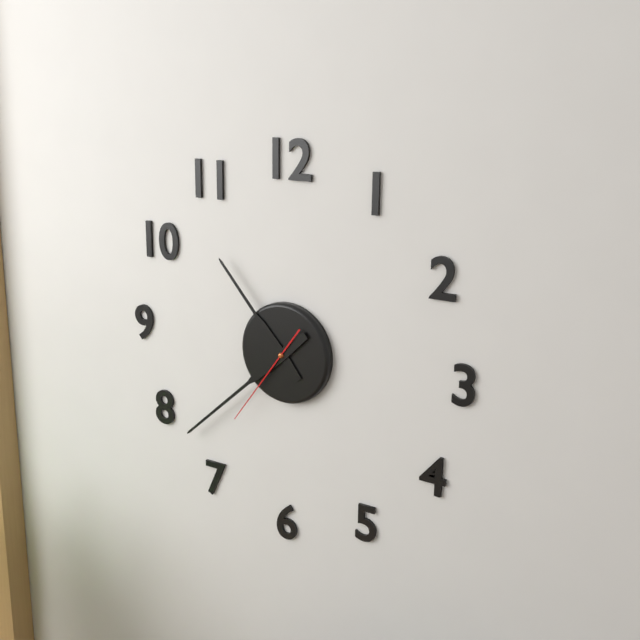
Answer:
10:38:36
